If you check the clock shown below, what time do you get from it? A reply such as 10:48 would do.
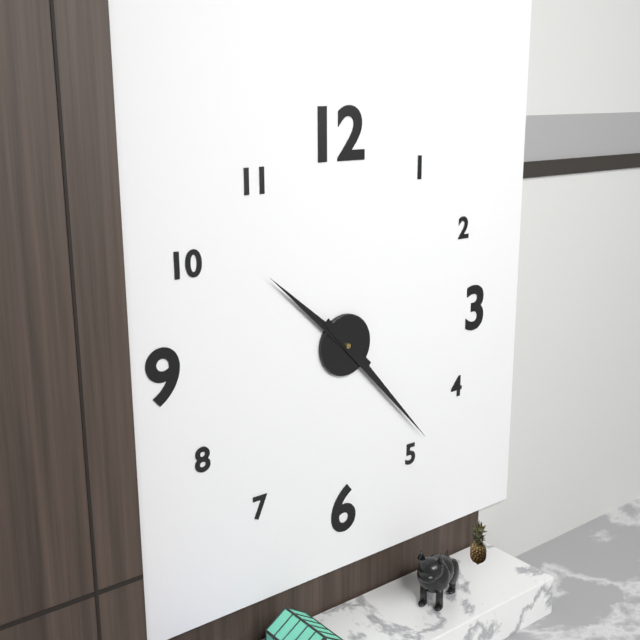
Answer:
10:23
